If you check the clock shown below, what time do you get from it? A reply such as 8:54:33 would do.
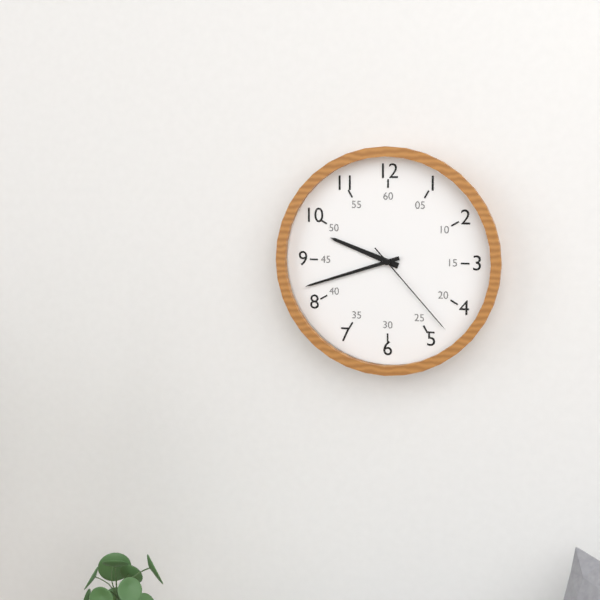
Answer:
9:42:23
